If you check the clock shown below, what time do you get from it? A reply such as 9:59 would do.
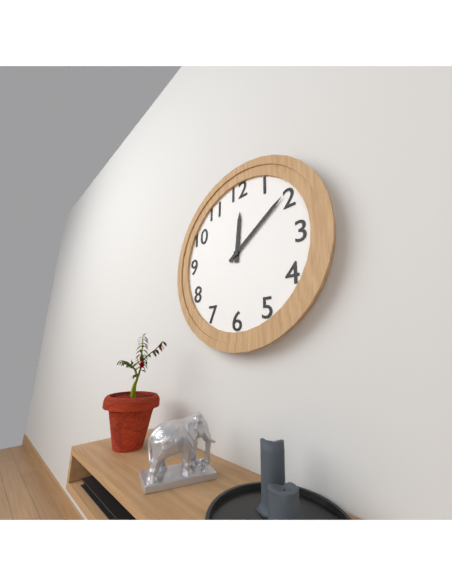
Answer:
12:09
